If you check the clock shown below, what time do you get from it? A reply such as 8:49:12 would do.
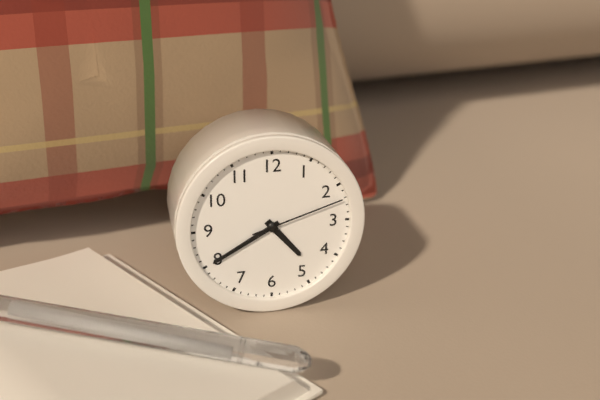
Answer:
4:40:12
